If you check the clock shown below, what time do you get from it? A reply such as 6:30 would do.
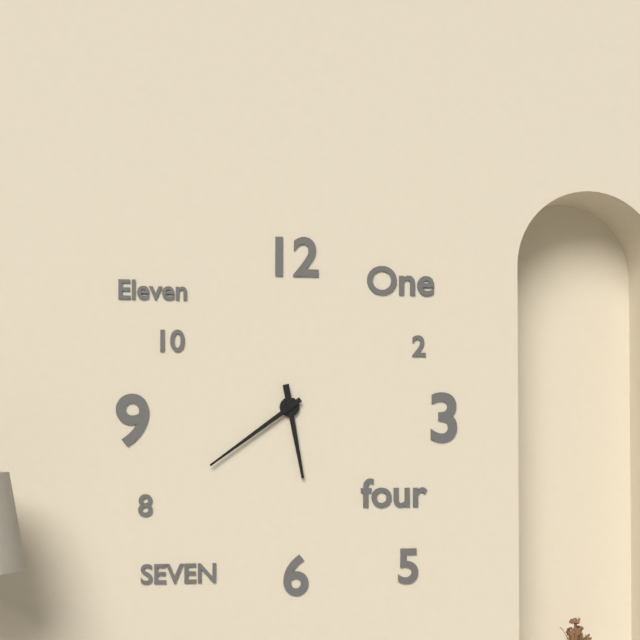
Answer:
5:39
